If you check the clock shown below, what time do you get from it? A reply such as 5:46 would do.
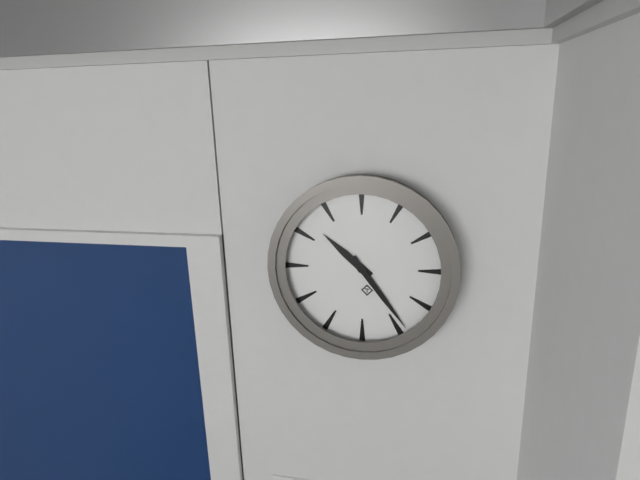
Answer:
10:24
